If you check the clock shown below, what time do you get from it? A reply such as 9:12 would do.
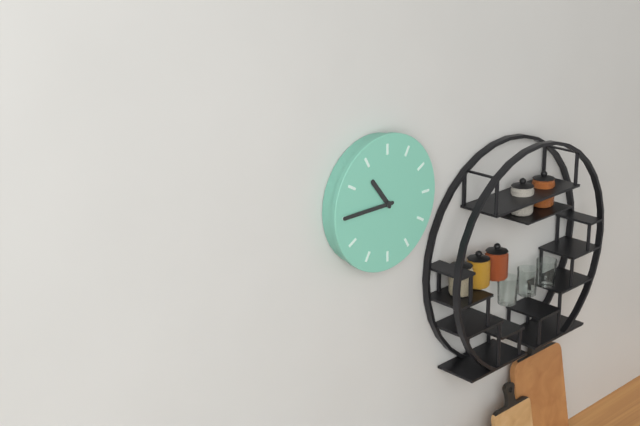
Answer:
10:45
